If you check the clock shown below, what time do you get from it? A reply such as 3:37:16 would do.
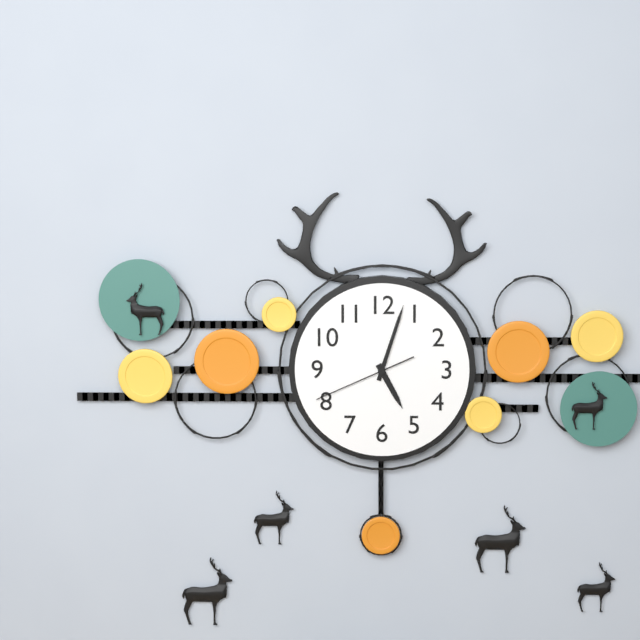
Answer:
5:03:41
